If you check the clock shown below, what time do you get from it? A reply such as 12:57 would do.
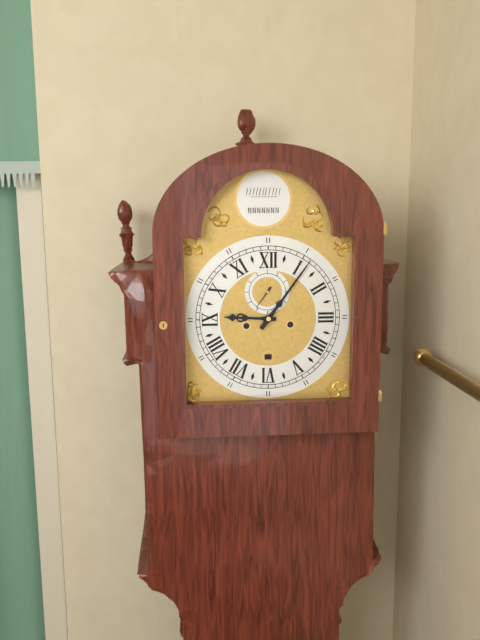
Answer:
9:06
